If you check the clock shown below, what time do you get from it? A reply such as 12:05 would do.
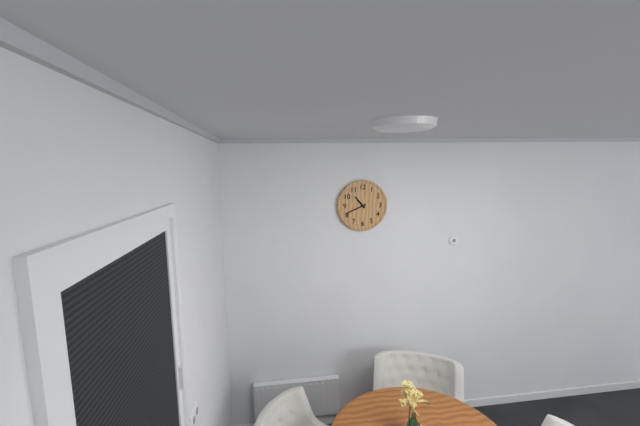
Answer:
10:41
